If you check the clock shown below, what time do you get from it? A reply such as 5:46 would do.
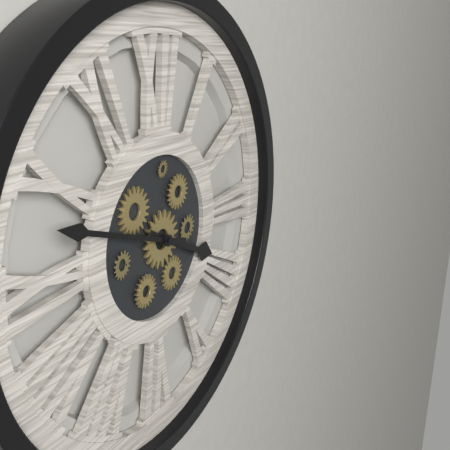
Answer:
3:48
